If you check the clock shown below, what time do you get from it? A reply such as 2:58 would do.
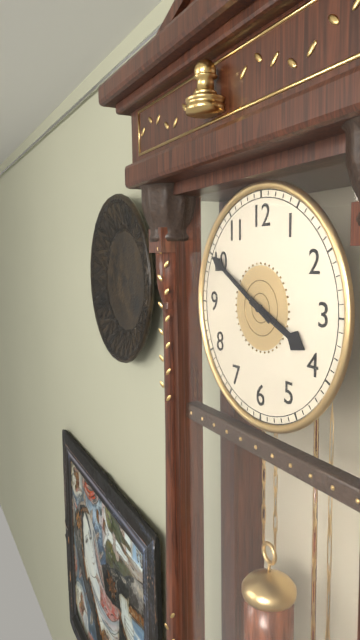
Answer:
3:50
